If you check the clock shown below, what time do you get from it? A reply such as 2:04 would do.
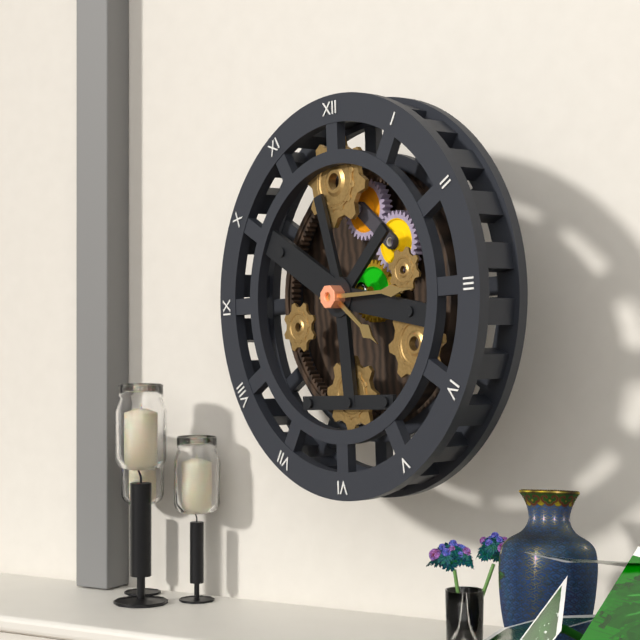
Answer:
4:15
